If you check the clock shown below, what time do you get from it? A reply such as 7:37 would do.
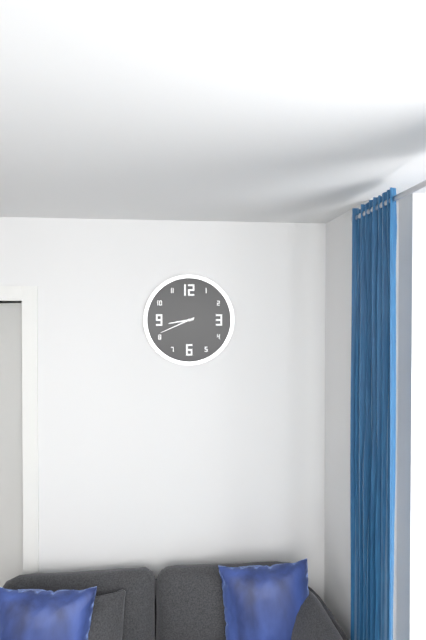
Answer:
8:41
